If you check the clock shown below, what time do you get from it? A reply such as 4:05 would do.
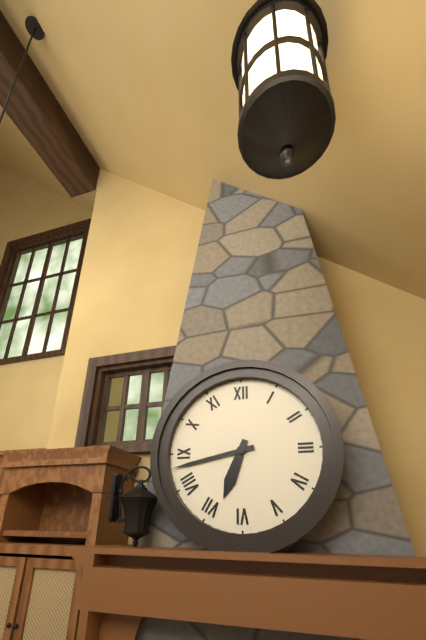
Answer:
6:43
